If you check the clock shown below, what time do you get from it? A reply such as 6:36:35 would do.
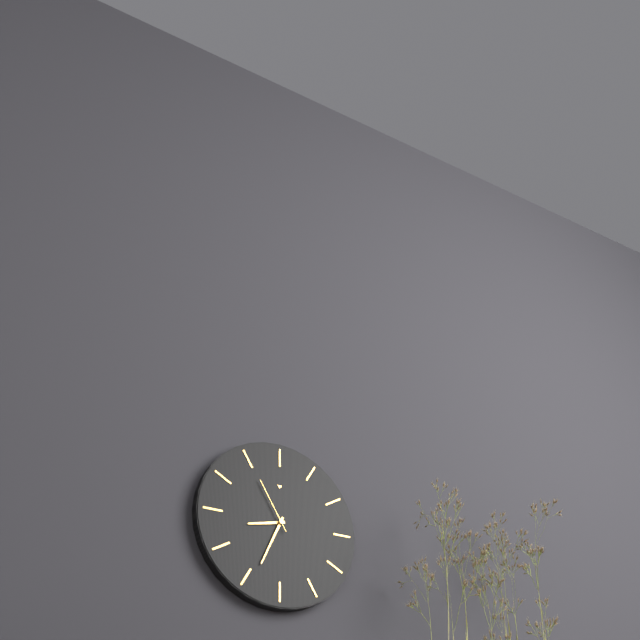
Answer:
8:34:55
